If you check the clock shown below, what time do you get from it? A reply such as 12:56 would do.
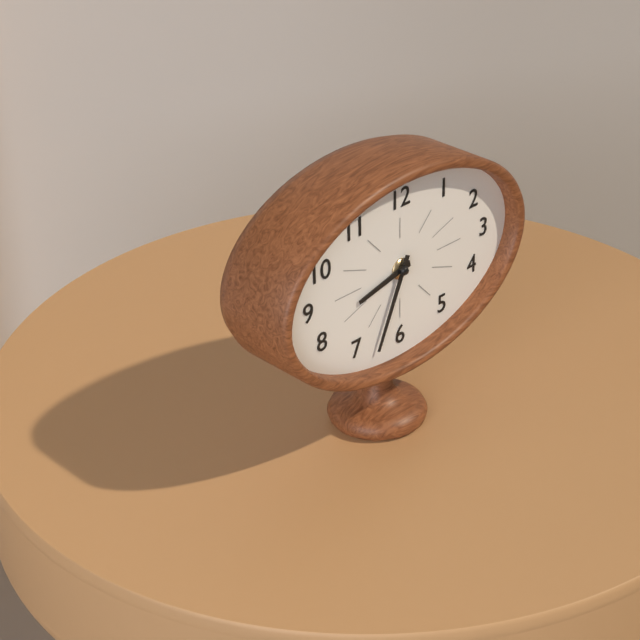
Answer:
8:34
